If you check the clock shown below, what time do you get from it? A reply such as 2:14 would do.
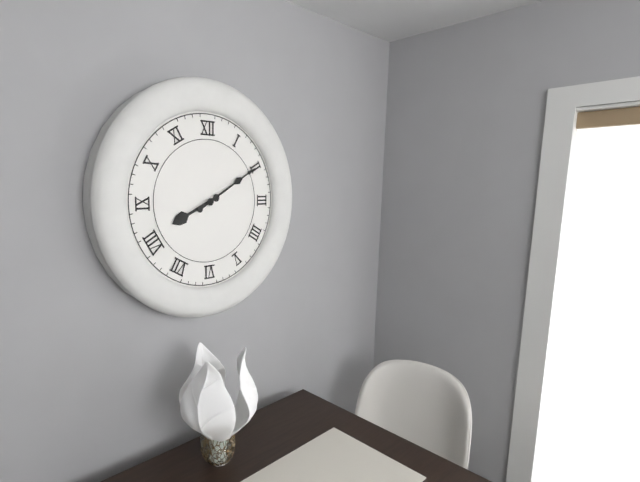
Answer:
8:10
